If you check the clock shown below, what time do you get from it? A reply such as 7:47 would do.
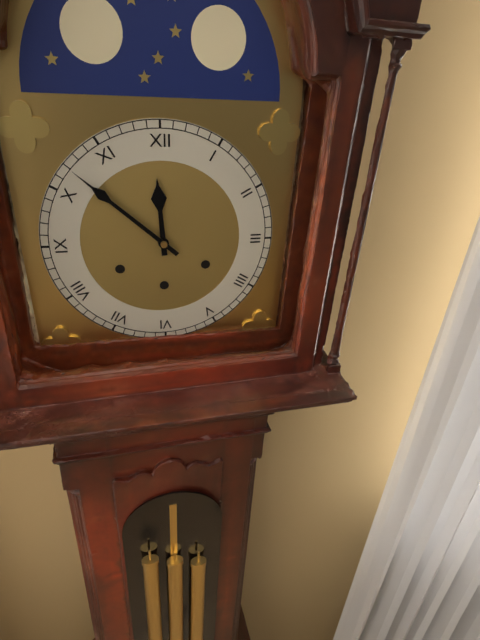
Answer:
11:52
